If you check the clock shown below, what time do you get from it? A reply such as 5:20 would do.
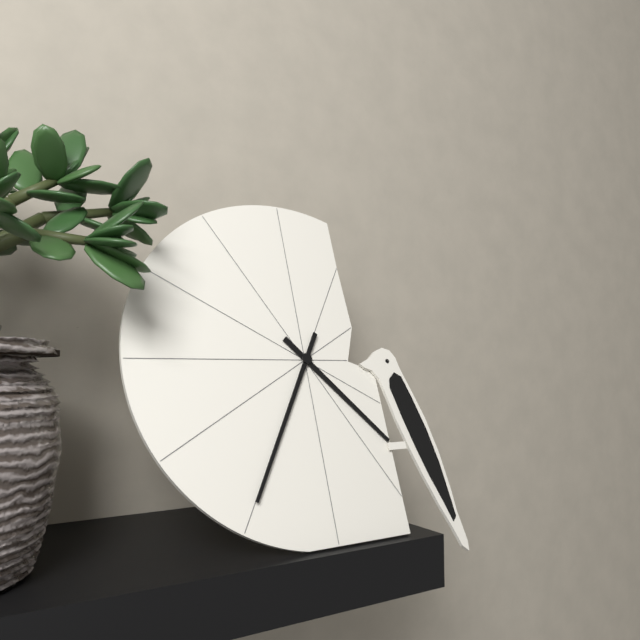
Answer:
4:35
